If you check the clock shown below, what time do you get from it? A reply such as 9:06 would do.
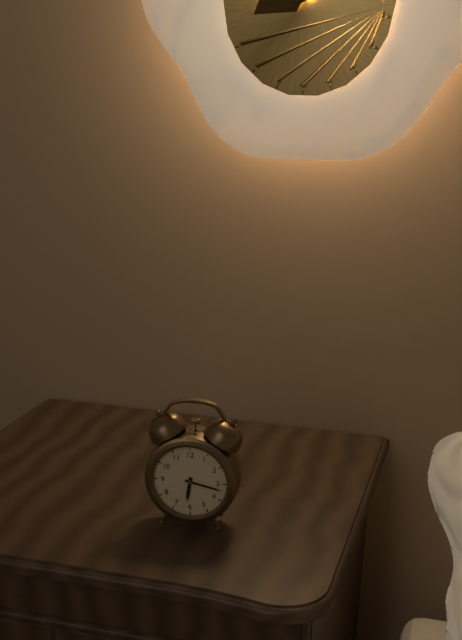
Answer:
6:17
